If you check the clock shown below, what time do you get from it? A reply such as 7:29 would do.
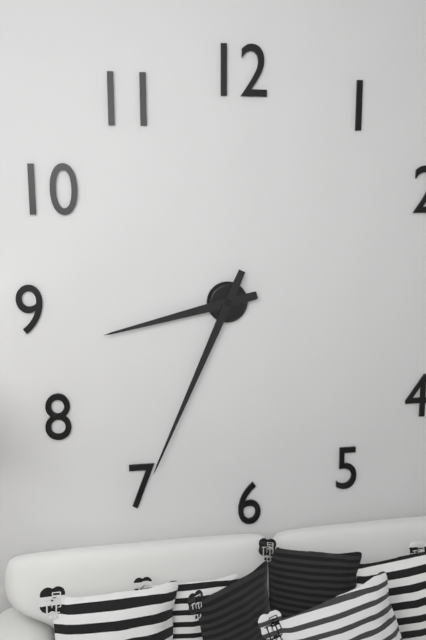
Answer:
8:34
